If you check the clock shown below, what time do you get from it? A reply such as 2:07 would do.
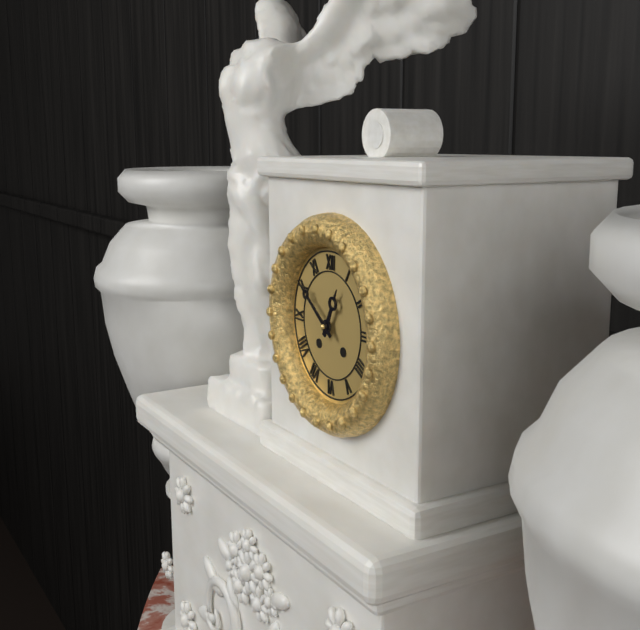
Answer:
12:51
